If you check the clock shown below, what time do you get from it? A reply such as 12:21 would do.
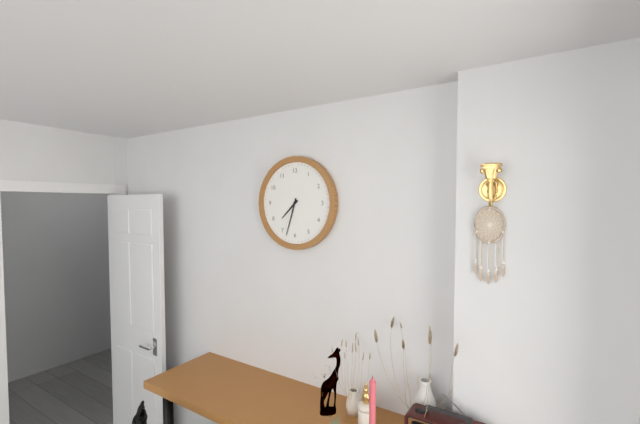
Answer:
7:33
